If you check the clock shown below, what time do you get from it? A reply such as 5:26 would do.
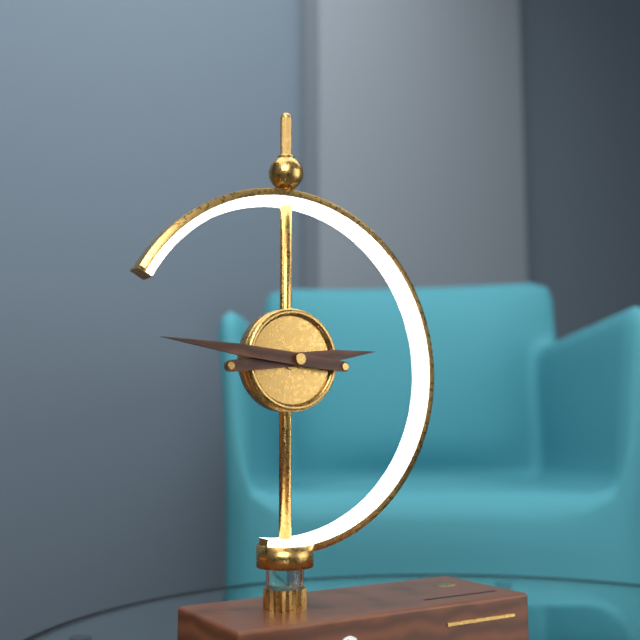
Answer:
2:46
